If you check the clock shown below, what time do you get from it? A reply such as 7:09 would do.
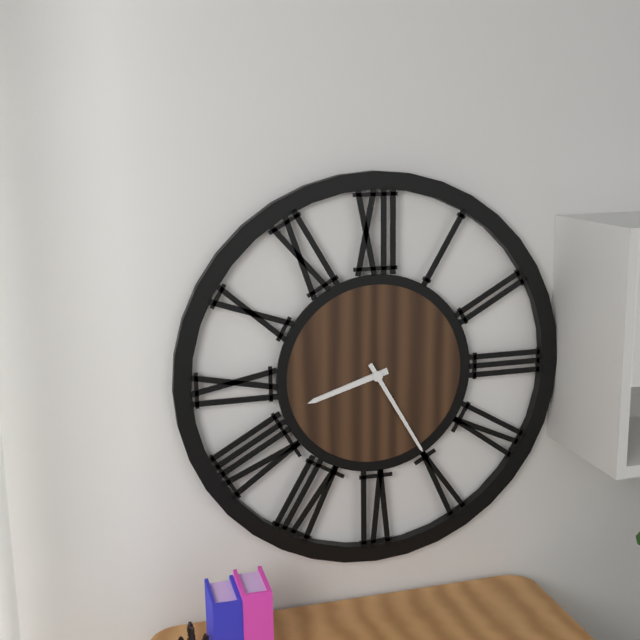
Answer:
8:25
